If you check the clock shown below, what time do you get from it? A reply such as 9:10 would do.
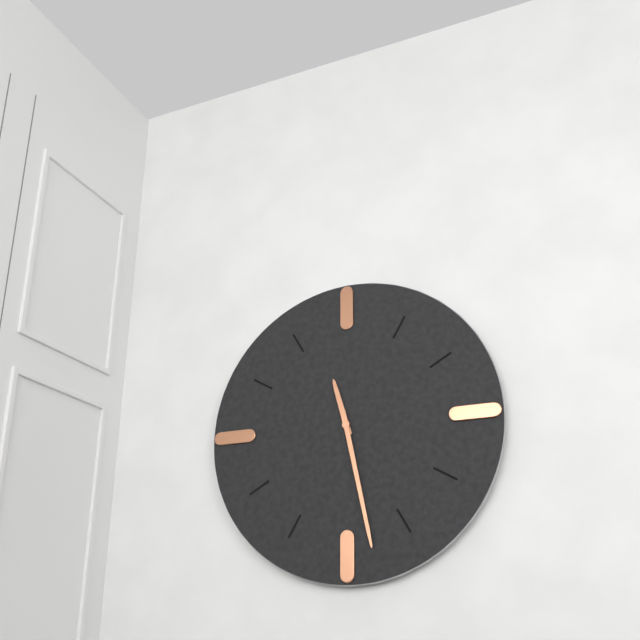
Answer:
11:28
